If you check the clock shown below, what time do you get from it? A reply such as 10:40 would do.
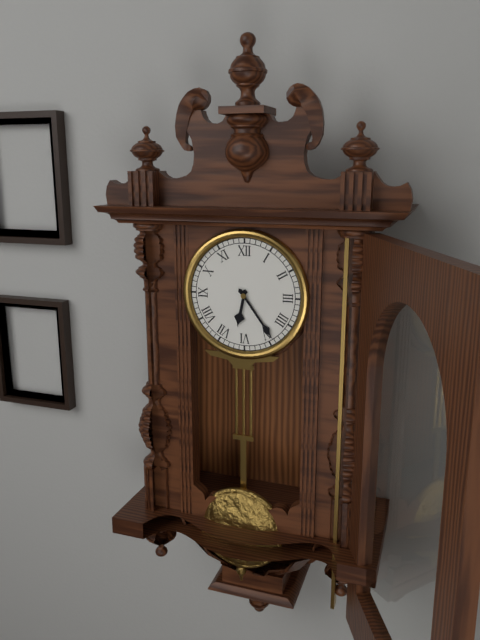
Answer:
6:24
